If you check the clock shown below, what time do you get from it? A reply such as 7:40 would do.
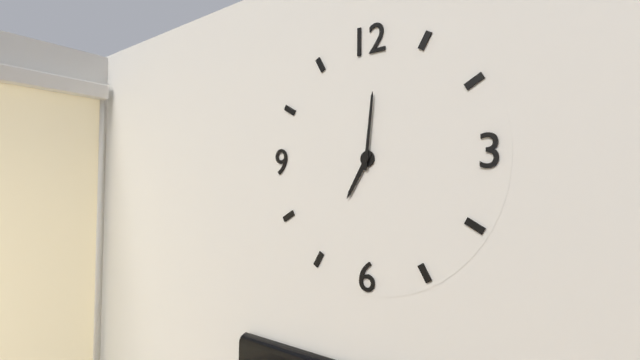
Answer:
7:01
